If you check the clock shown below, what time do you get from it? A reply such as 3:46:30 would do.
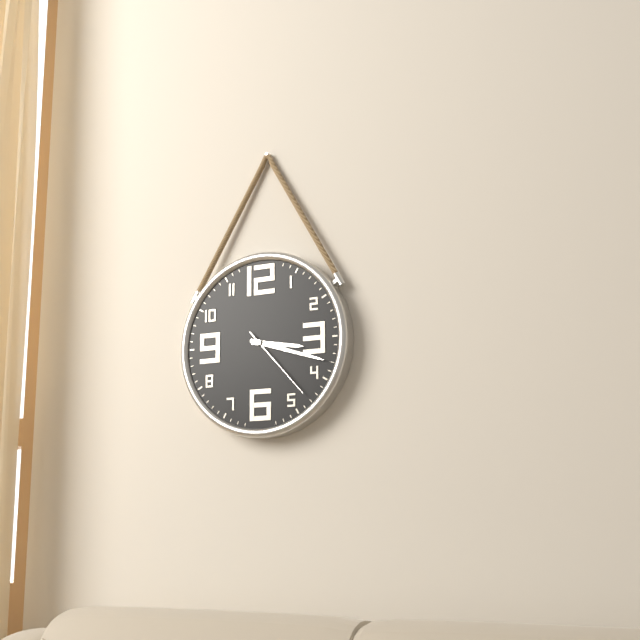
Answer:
3:18:23
